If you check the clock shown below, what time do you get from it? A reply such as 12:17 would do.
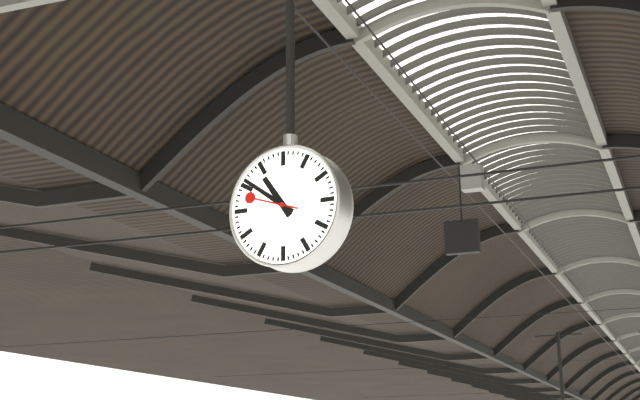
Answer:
10:51
